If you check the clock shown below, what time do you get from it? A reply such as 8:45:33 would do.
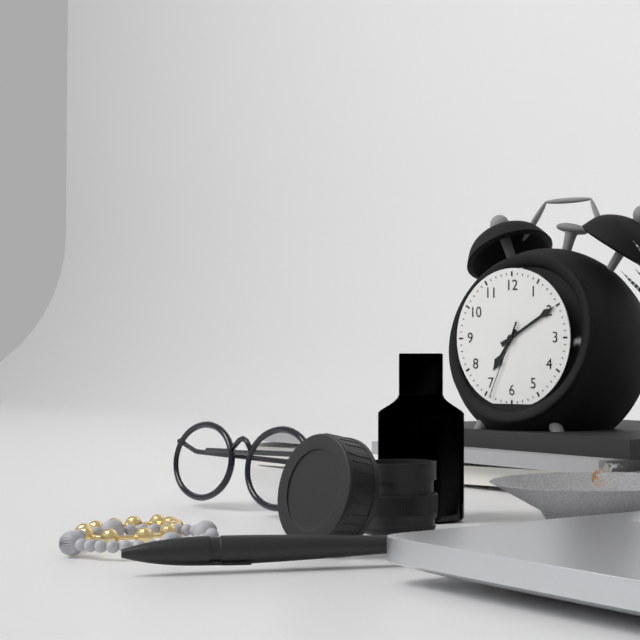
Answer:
7:10:34
